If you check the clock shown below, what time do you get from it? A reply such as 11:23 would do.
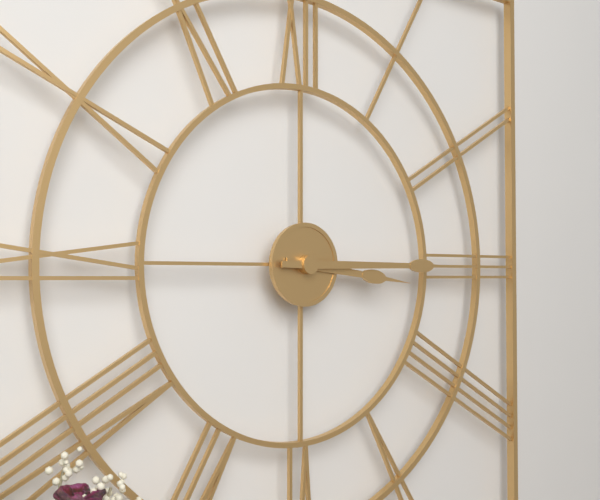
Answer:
3:15
